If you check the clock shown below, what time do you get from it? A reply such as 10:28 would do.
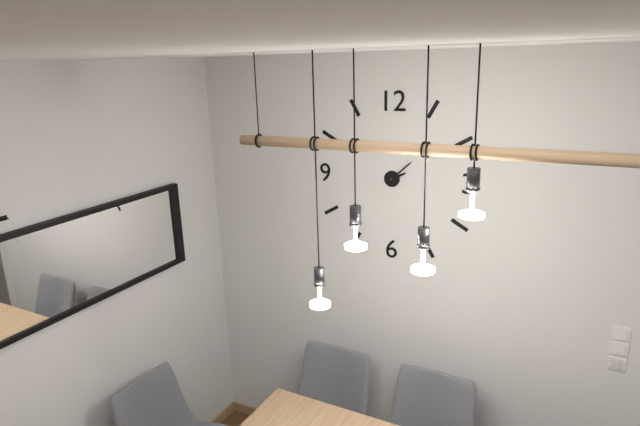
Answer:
2:08
